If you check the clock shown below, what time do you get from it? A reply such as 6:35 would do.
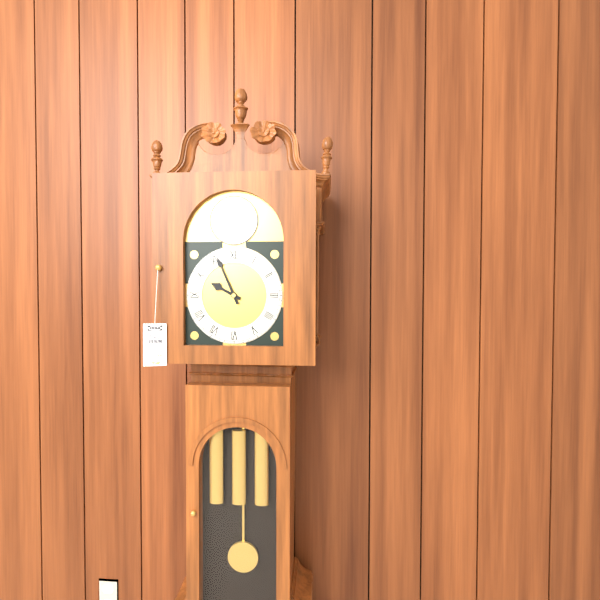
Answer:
9:56
